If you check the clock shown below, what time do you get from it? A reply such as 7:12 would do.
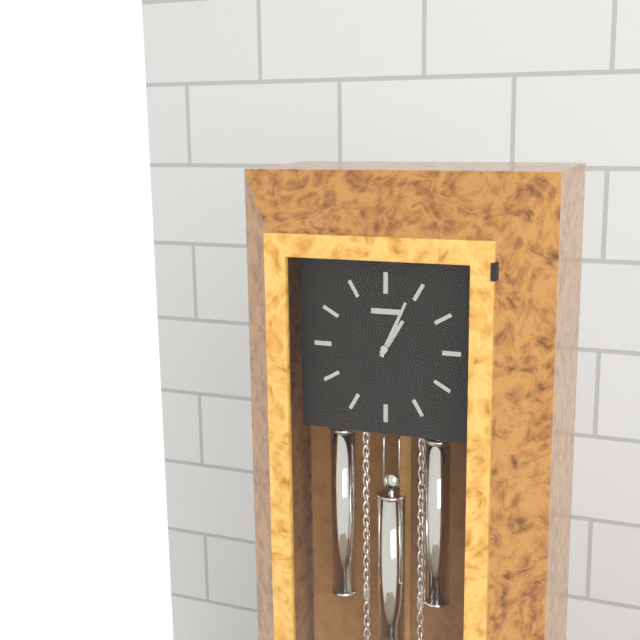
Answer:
1:04
